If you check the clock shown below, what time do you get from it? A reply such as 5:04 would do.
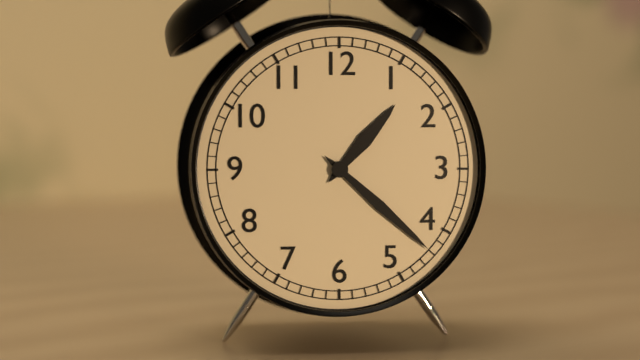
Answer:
1:22
